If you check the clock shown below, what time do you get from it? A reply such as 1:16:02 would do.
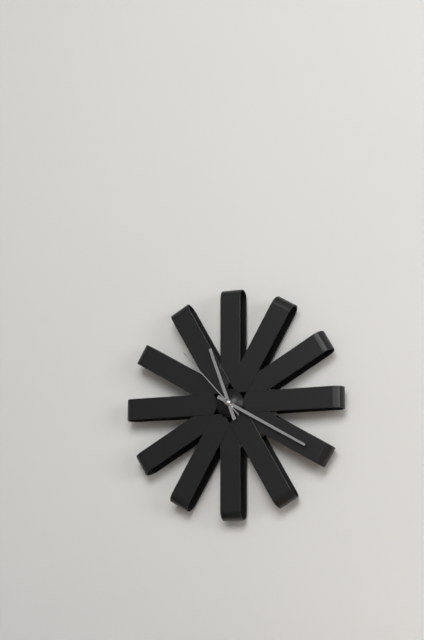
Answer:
11:20:53
